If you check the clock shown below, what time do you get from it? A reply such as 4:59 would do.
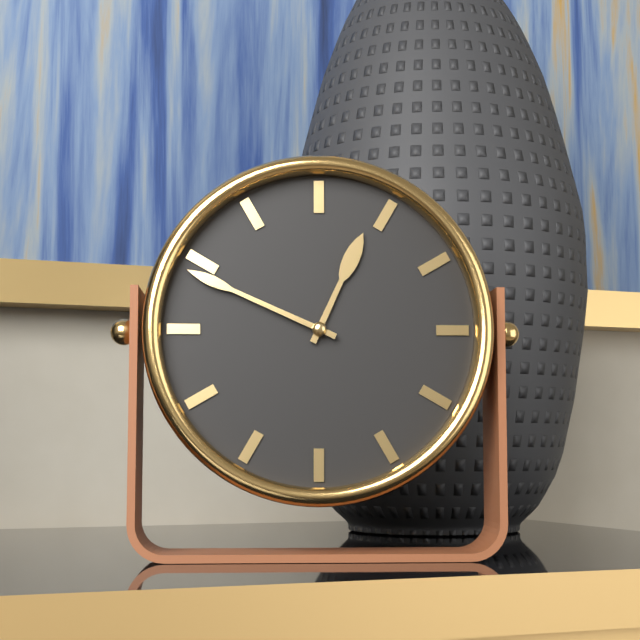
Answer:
12:49
